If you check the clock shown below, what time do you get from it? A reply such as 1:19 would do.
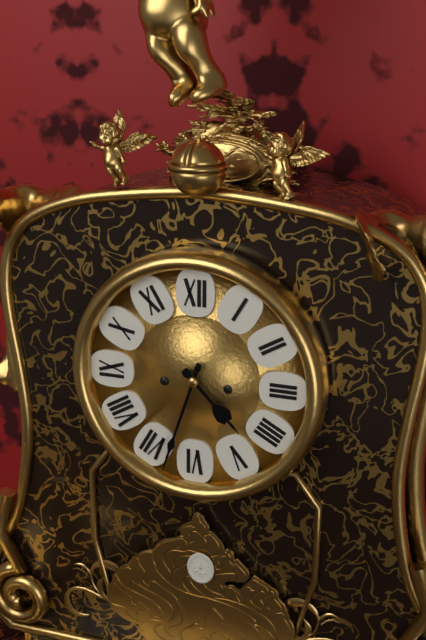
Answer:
4:33
